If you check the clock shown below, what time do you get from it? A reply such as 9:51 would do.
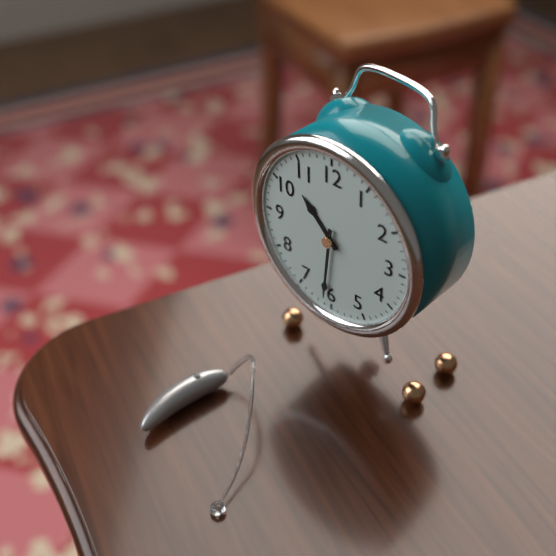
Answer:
10:31
